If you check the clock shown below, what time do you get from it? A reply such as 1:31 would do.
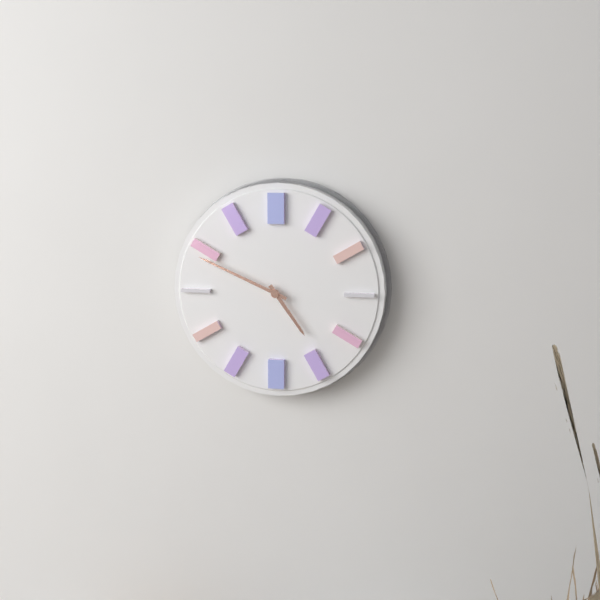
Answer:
4:49
